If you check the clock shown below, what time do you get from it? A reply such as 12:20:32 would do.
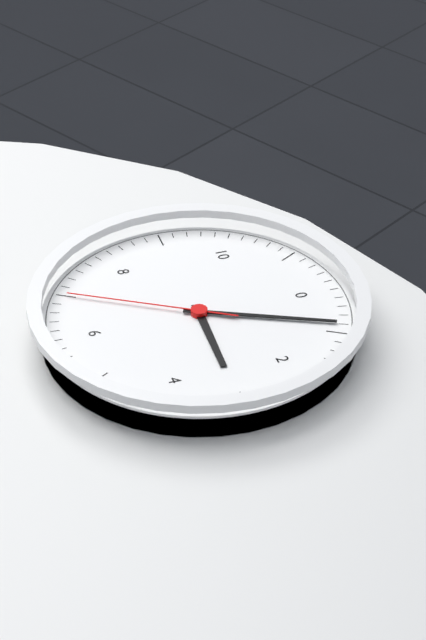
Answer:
3:04:35
